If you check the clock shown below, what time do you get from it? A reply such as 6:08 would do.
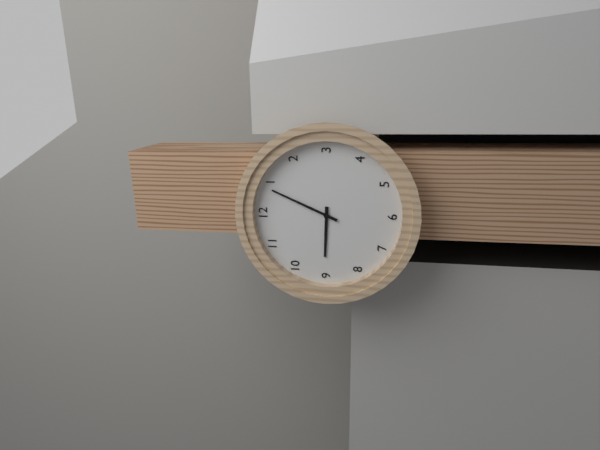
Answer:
9:04
